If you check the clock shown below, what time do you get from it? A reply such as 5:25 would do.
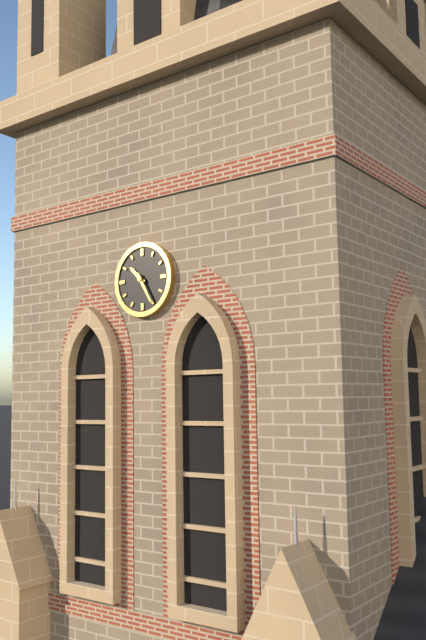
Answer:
10:25
